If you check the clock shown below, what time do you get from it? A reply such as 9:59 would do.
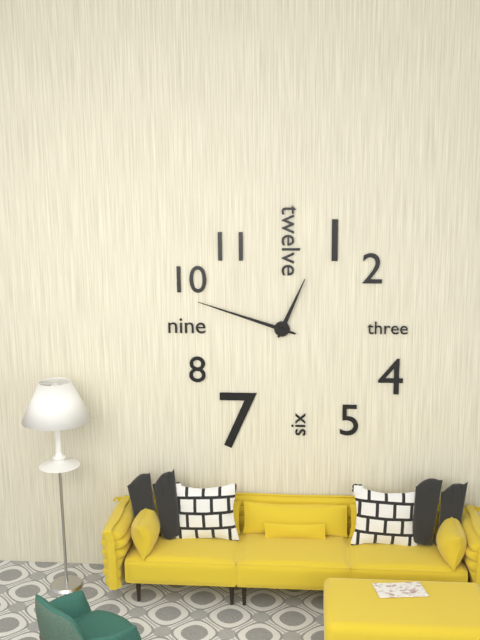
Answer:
12:48
